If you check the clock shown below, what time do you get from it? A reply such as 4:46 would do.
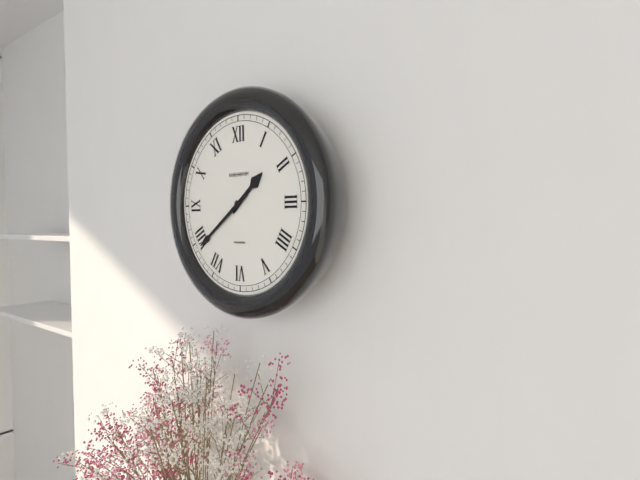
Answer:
1:39
